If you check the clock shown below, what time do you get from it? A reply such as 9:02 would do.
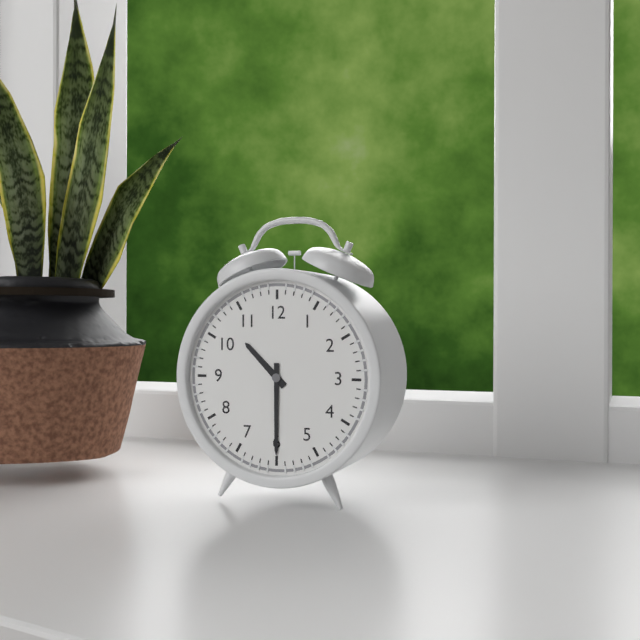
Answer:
10:30
